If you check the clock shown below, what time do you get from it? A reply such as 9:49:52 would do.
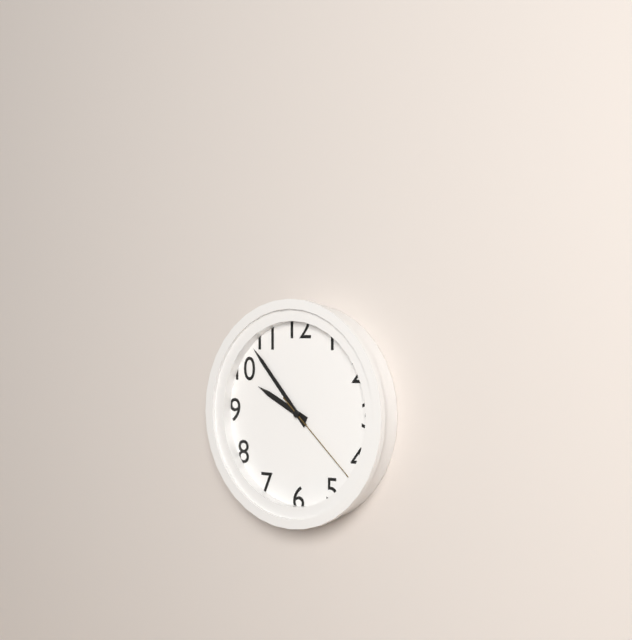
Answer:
9:53:22
